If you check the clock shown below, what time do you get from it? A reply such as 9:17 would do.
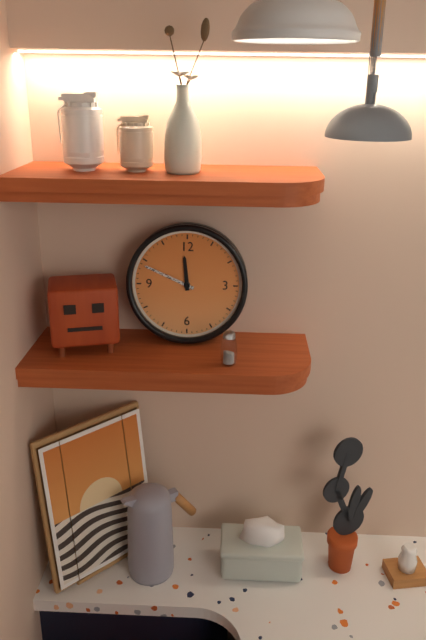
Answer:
11:49
